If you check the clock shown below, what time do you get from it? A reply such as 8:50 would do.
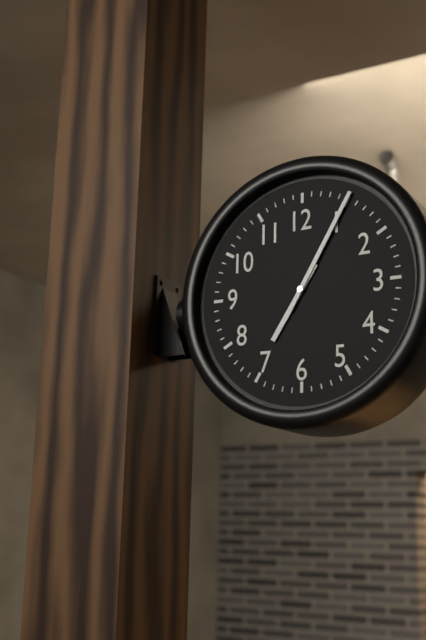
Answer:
7:05
